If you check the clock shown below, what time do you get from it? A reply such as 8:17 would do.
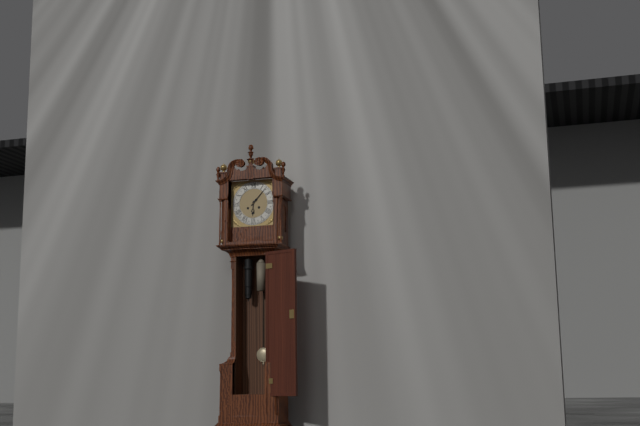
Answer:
6:07
